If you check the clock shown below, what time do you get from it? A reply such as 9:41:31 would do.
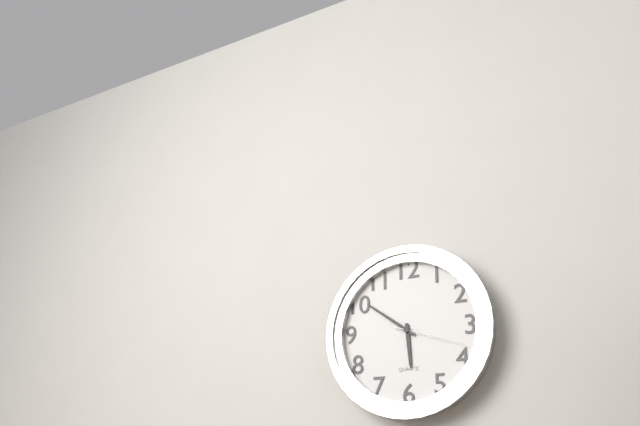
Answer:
5:51:18
